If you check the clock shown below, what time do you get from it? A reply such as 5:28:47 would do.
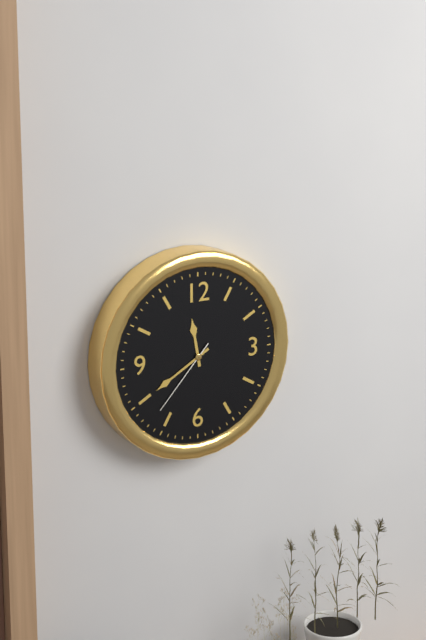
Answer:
11:40:37
